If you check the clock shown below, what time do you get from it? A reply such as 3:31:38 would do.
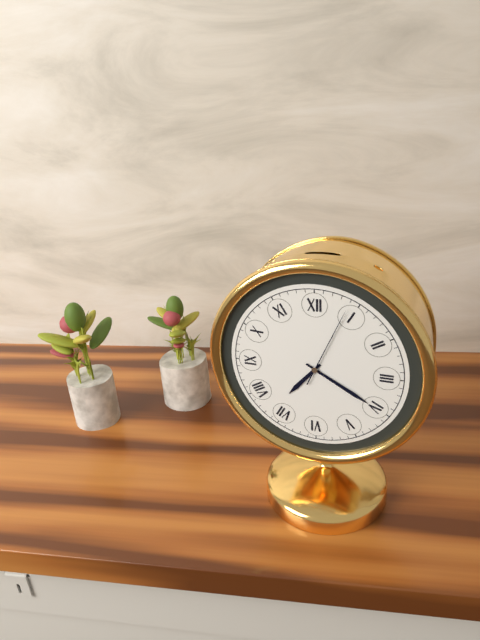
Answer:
7:20:04
